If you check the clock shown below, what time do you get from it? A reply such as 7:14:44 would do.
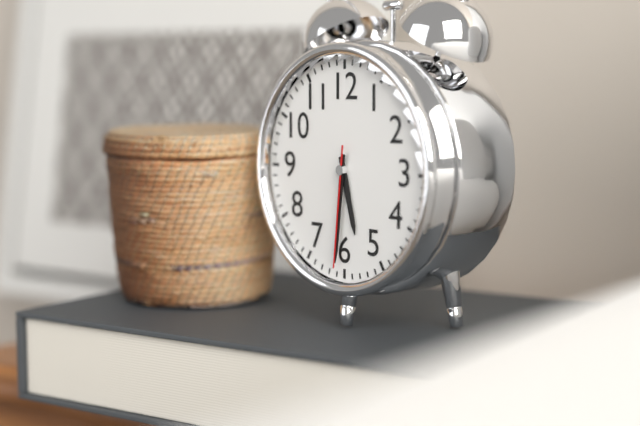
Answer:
5:31:31
